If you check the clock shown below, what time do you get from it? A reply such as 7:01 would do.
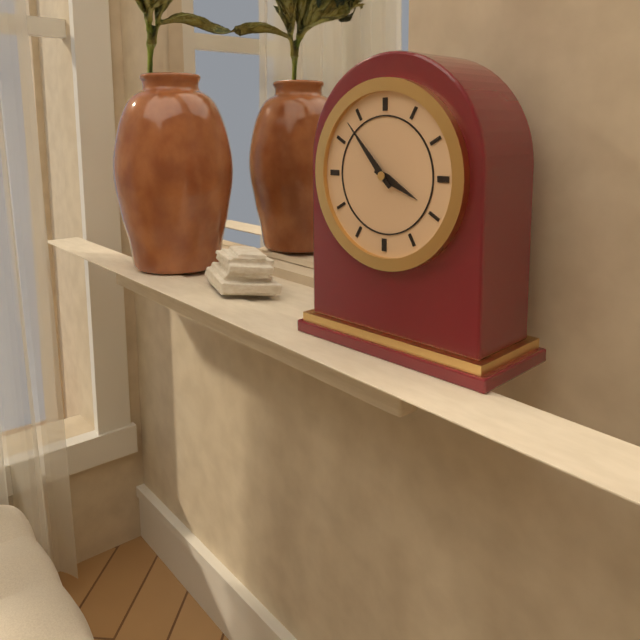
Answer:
3:53
